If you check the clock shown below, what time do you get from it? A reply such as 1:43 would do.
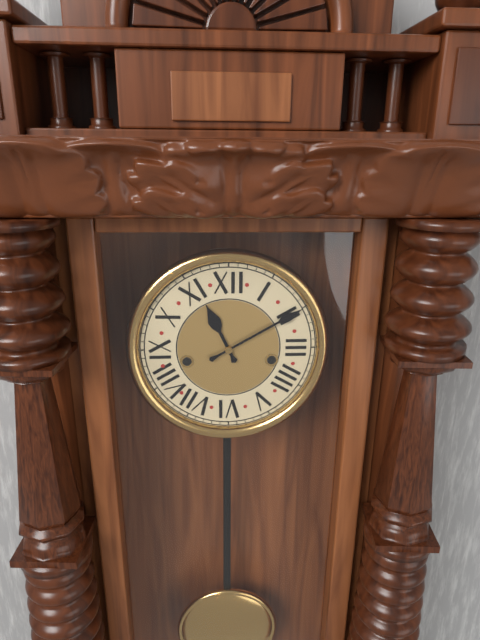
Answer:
11:10
